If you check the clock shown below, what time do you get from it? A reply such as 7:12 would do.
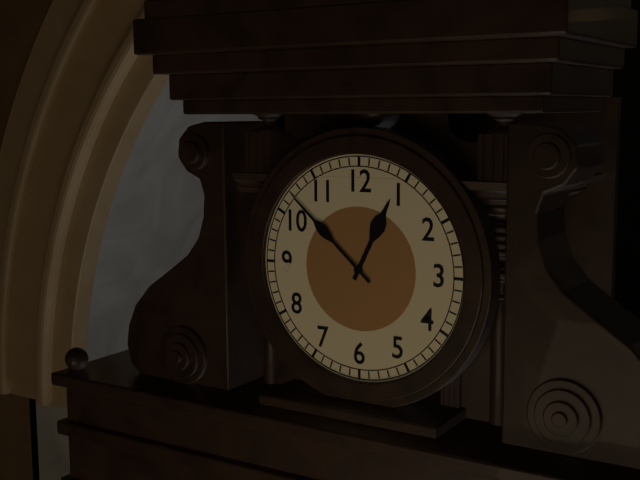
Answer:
12:52
